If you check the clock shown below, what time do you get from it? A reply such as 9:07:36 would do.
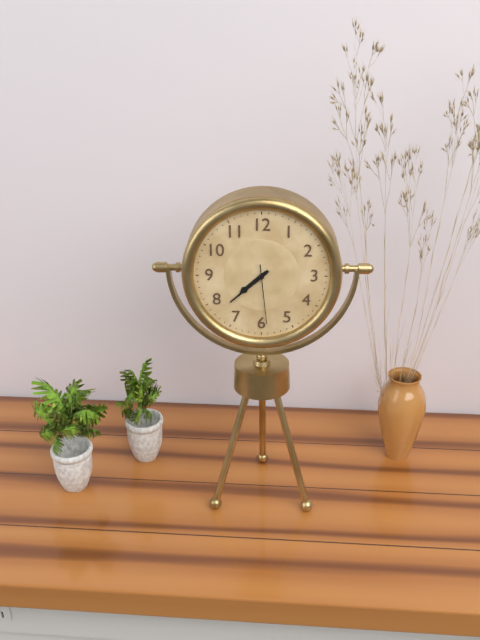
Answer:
7:38:29
